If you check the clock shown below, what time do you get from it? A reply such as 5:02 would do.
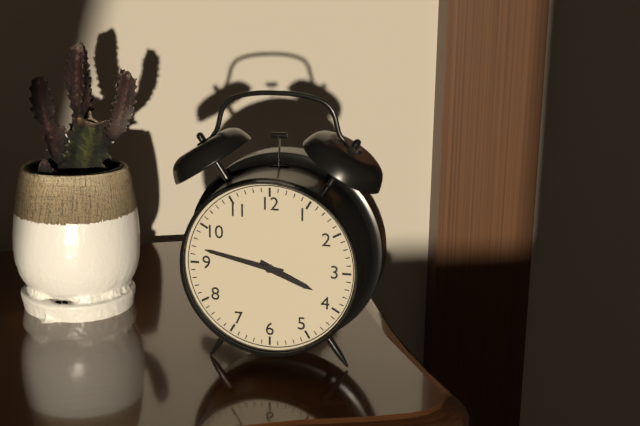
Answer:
3:47
